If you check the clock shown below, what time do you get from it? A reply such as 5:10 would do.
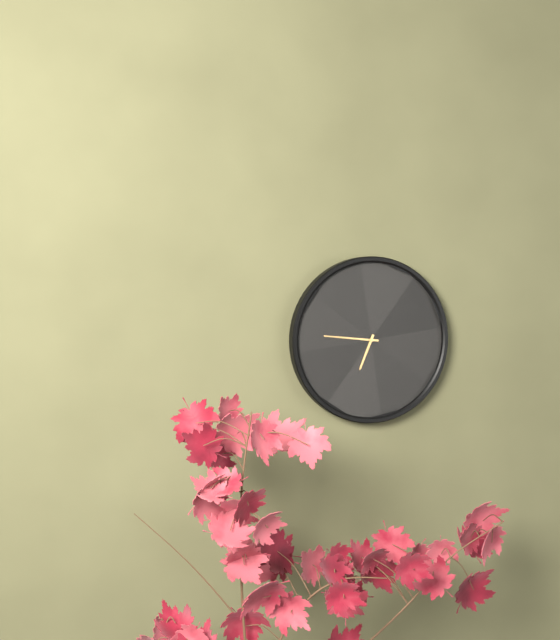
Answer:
6:46
